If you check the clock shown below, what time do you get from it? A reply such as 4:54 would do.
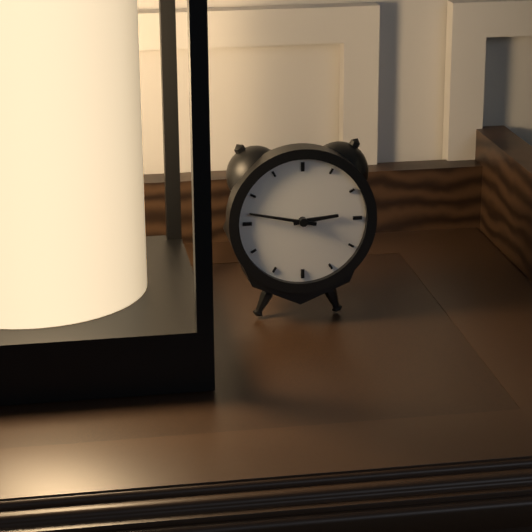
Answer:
2:47
